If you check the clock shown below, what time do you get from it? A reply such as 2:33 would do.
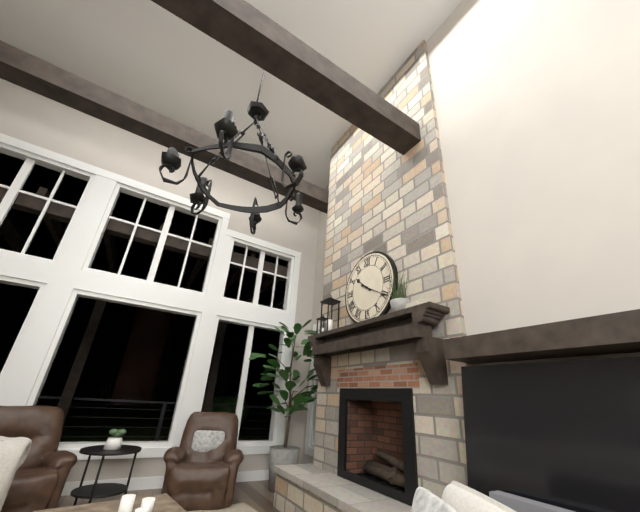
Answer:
10:20
